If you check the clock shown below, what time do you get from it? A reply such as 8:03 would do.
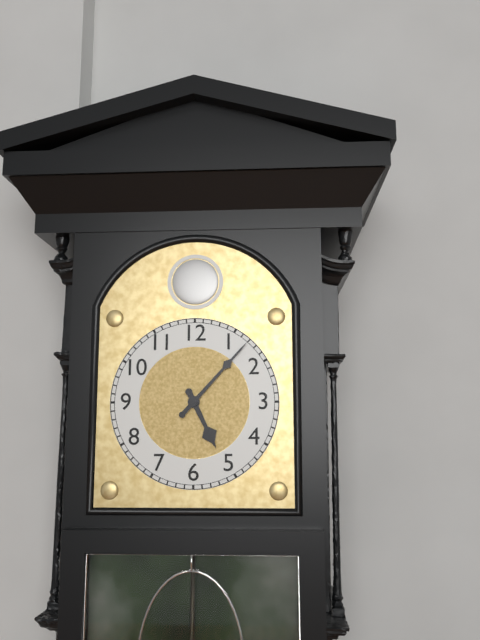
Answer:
5:07
